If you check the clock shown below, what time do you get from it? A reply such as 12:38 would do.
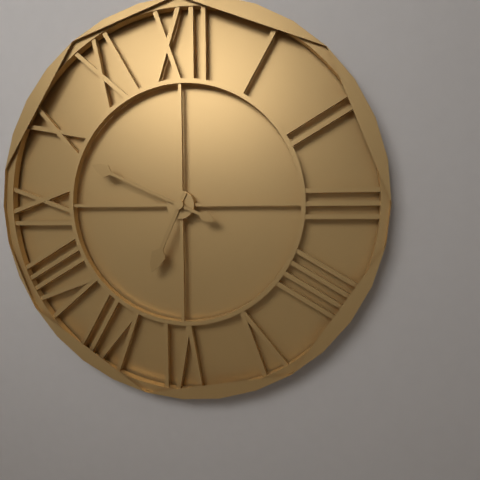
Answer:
6:49
